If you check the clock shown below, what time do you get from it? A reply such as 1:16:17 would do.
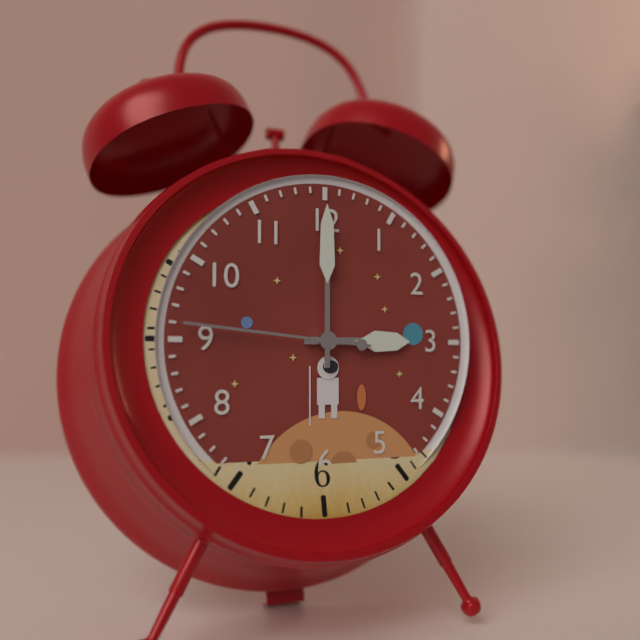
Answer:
3:00:46
